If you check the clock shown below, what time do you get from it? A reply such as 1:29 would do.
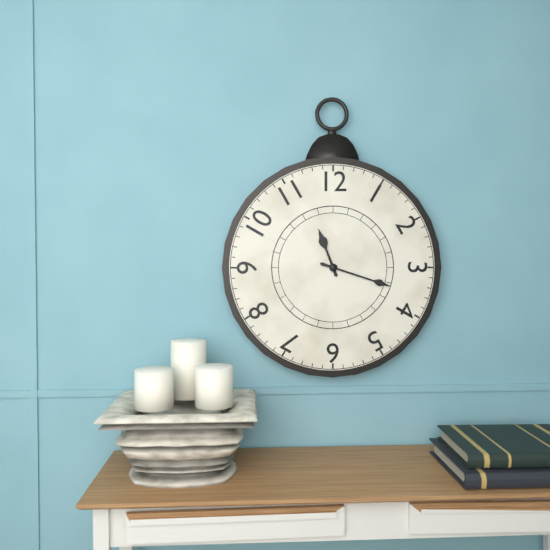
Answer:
11:18
